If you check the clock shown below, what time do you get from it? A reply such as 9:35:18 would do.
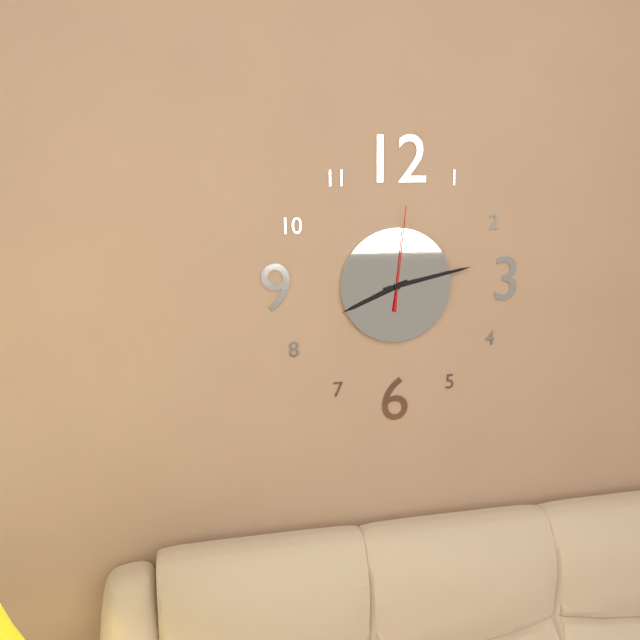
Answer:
8:13:01
